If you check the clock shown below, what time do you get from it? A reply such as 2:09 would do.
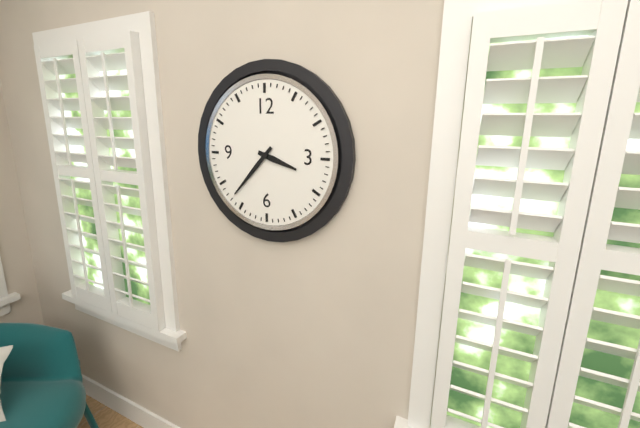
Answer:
3:37
